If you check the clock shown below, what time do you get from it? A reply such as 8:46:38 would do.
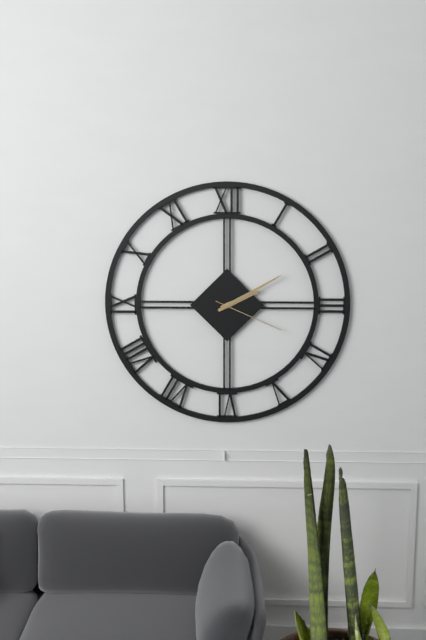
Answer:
2:10:19
